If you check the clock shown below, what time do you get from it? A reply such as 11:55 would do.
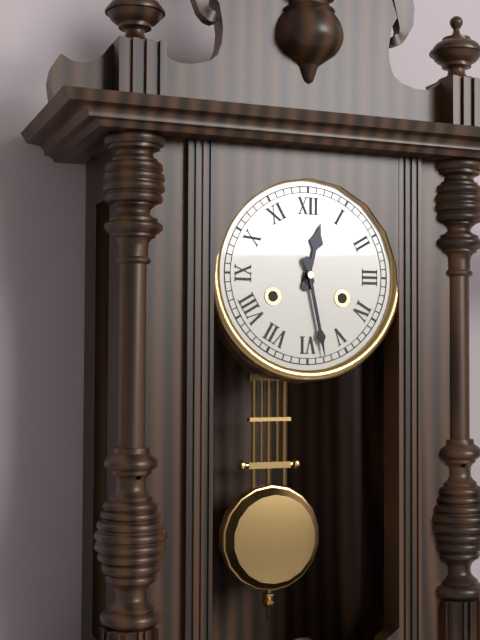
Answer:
12:28
